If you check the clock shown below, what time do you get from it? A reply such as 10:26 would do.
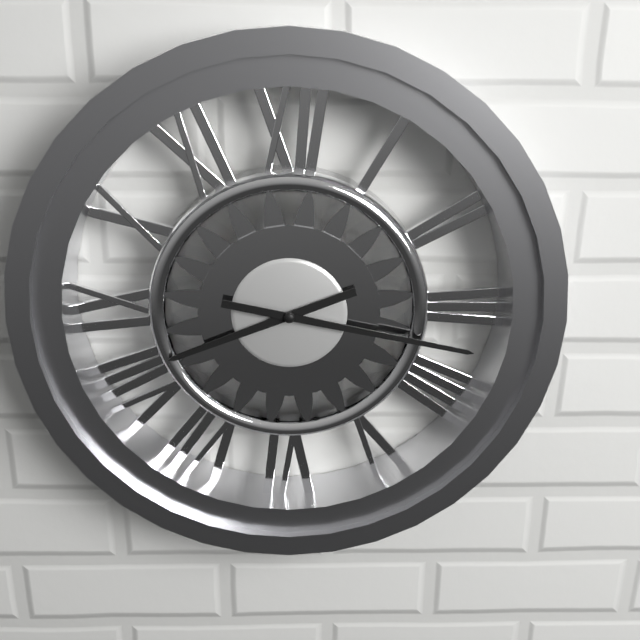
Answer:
8:17
